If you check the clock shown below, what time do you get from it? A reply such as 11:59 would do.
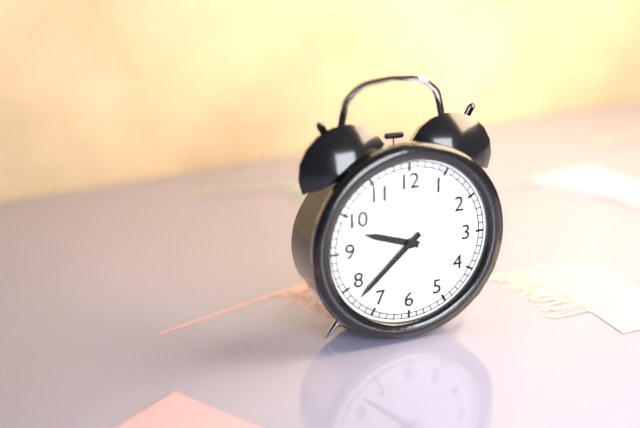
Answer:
9:38
